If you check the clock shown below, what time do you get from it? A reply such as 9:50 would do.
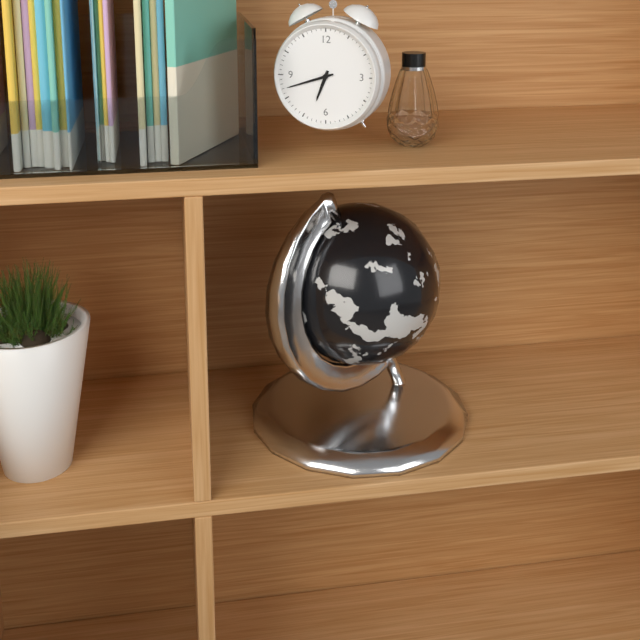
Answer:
6:42
